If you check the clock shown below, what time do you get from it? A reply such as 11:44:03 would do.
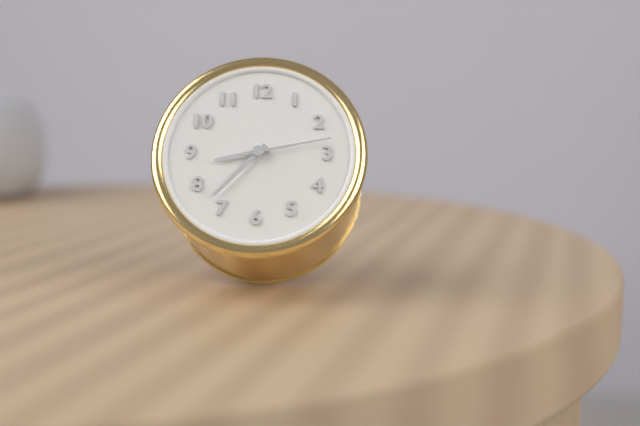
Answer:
8:37:13
